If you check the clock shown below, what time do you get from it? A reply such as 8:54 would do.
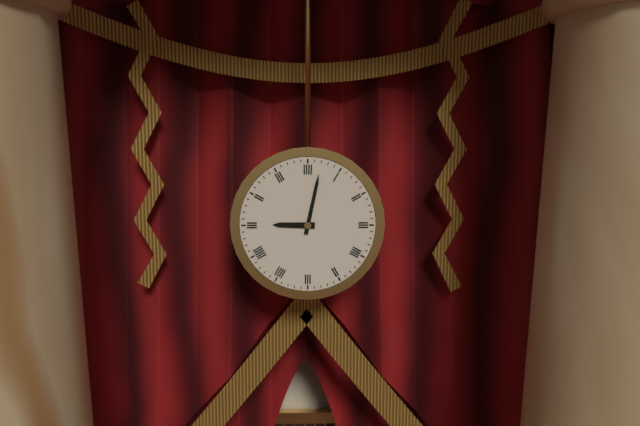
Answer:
9:02
